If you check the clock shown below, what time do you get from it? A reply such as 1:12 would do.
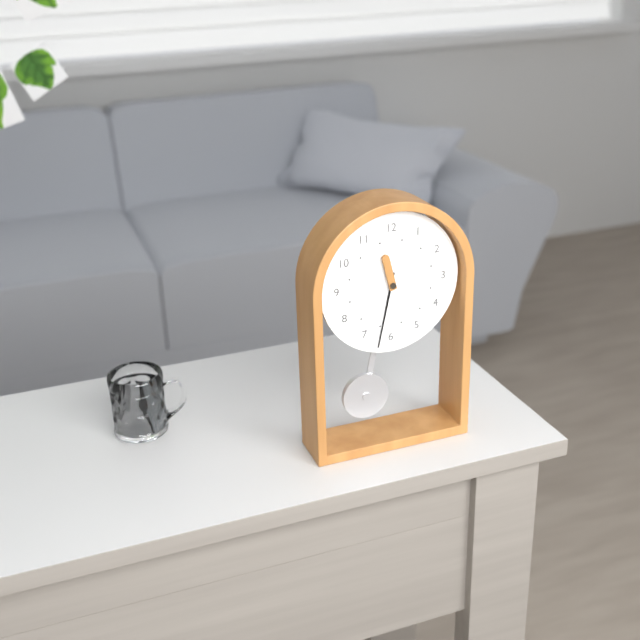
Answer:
11:32
